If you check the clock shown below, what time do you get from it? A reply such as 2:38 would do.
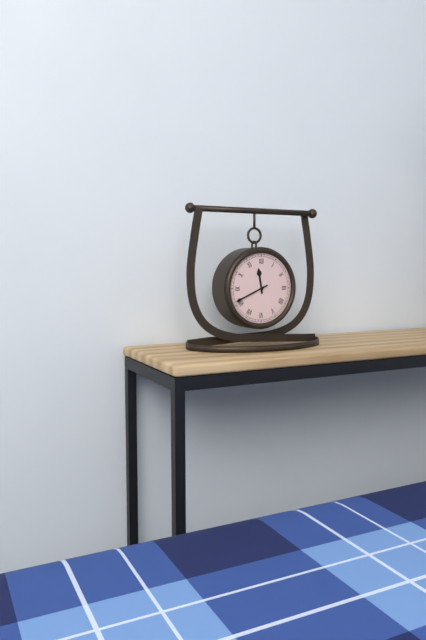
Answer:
11:41
